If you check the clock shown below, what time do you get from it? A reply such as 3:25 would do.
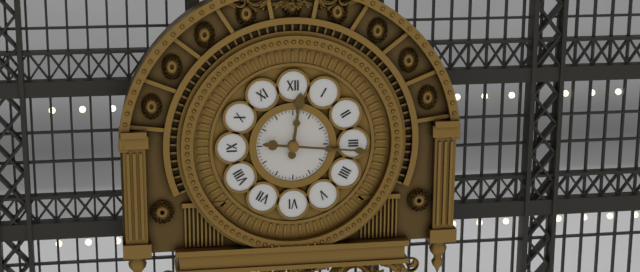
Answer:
12:16
